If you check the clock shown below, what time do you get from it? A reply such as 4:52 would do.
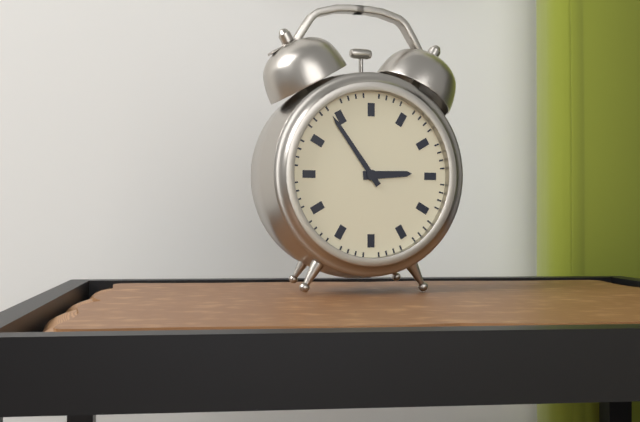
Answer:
2:54
